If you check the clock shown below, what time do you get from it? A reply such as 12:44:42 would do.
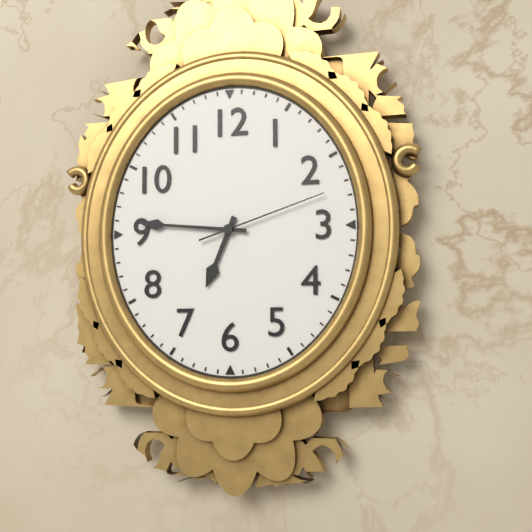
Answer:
6:46:12
